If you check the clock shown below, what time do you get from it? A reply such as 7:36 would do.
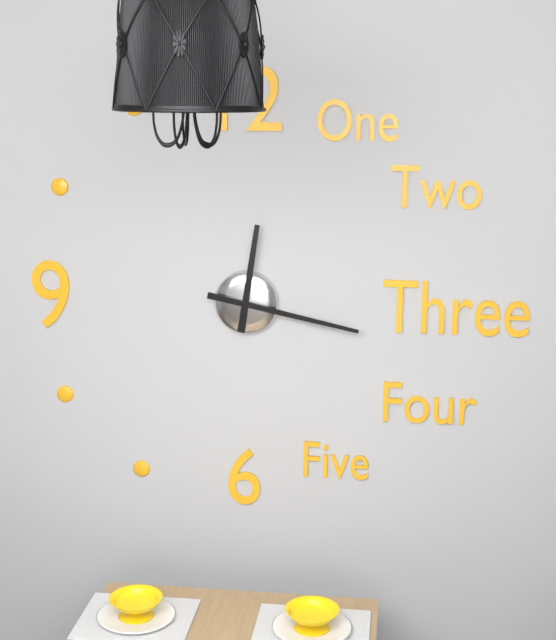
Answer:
12:17
